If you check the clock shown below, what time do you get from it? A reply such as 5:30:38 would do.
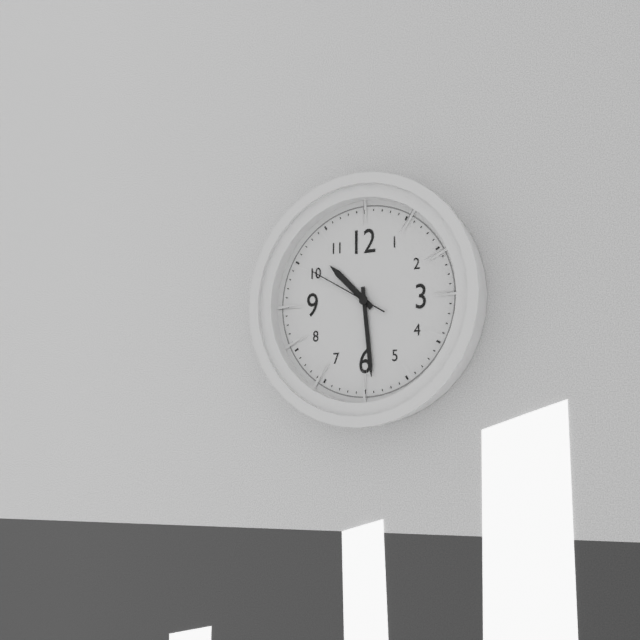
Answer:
10:29:50
